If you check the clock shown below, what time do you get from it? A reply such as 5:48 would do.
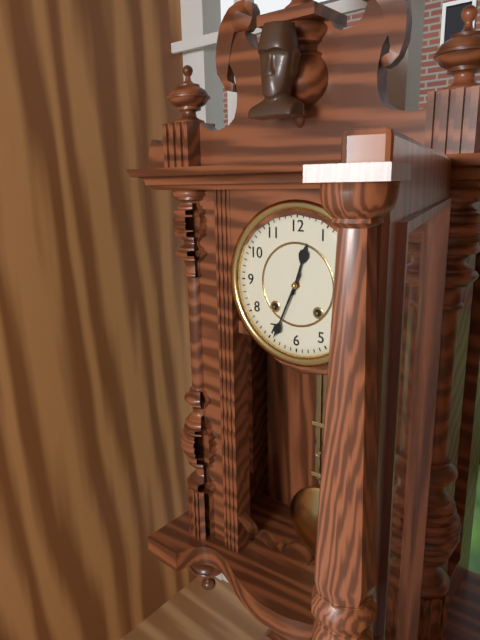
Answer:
12:34
